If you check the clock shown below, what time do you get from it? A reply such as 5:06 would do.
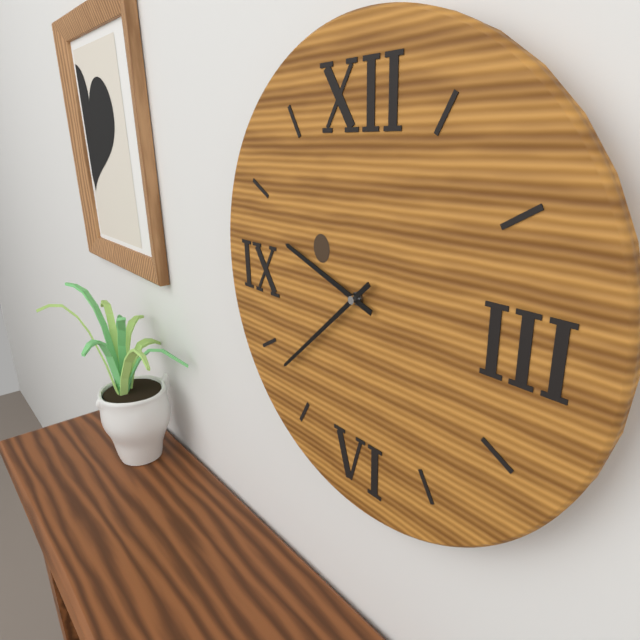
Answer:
9:38
